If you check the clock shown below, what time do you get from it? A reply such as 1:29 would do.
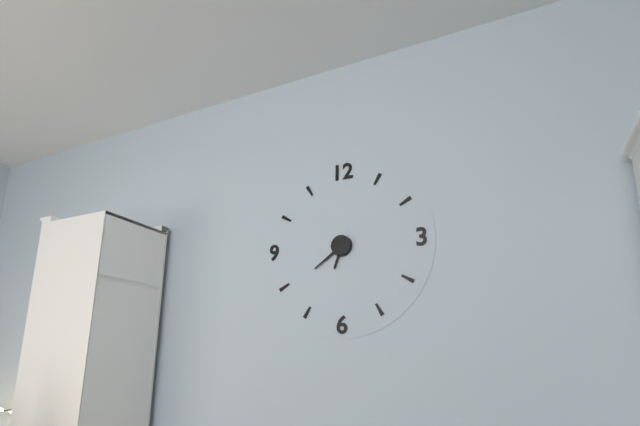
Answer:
6:39
